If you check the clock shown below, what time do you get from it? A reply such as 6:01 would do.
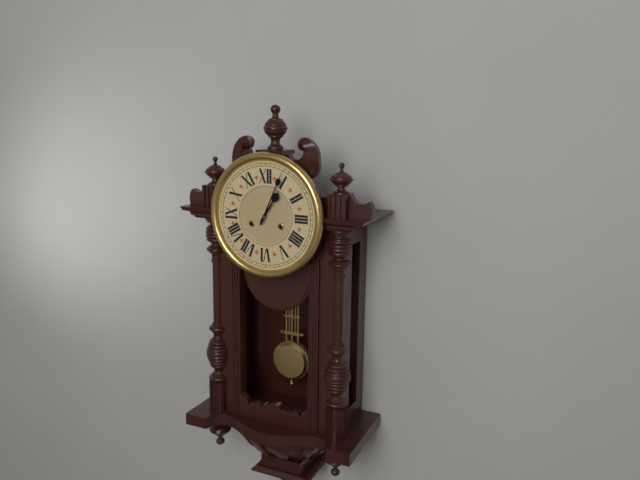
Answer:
1:04
